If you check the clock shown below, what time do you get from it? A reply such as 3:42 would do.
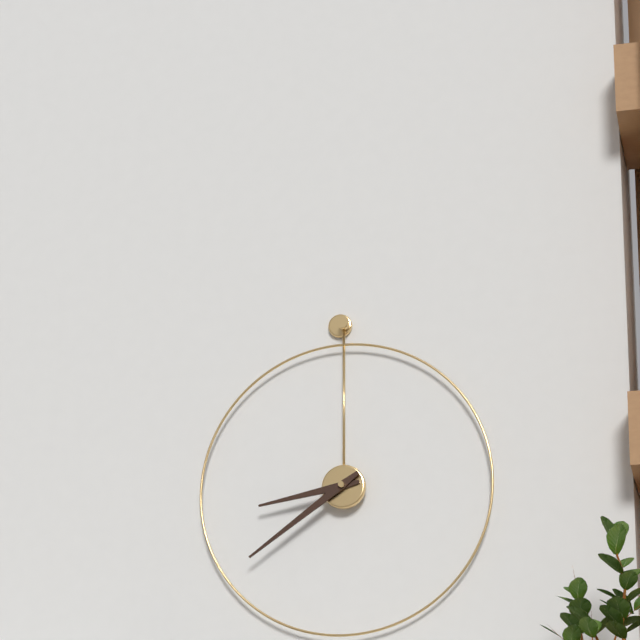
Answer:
8:39
